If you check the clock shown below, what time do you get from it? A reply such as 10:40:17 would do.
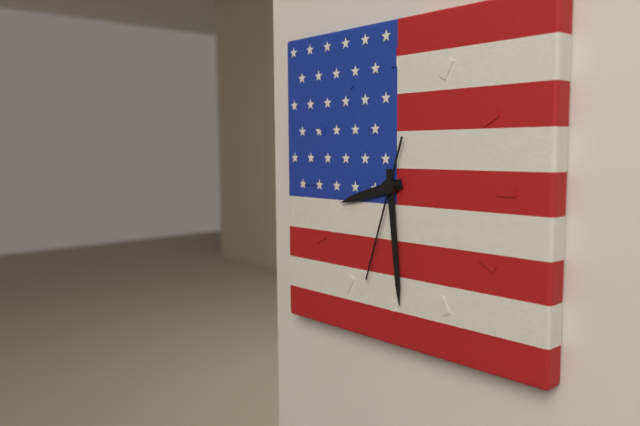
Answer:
8:29:33
